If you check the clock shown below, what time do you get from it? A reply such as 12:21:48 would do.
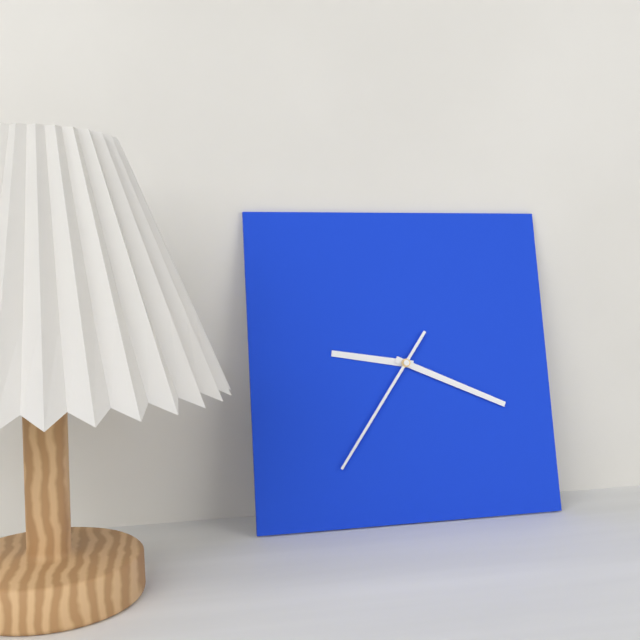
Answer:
9:19:36
